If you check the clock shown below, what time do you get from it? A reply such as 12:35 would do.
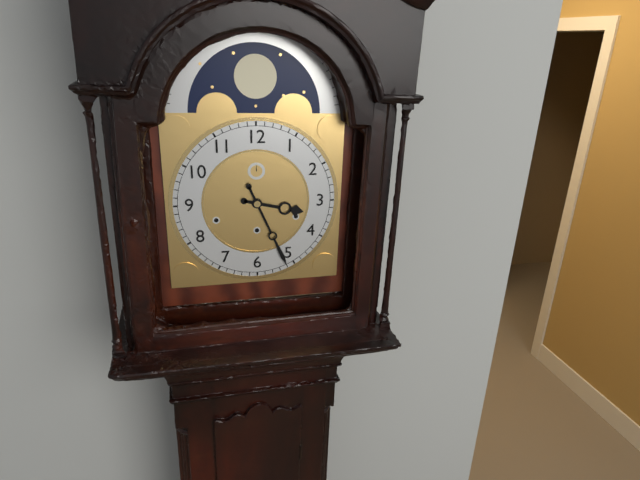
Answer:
3:26
